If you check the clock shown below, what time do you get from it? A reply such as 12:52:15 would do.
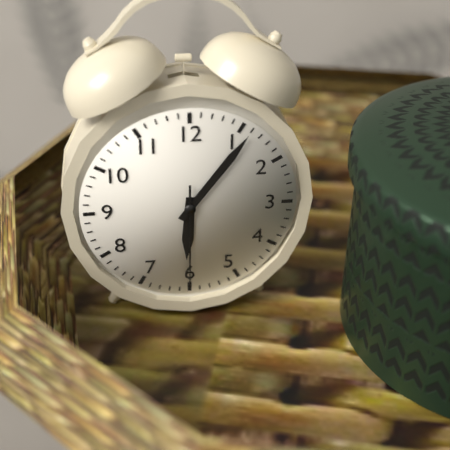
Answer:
6:06:30
